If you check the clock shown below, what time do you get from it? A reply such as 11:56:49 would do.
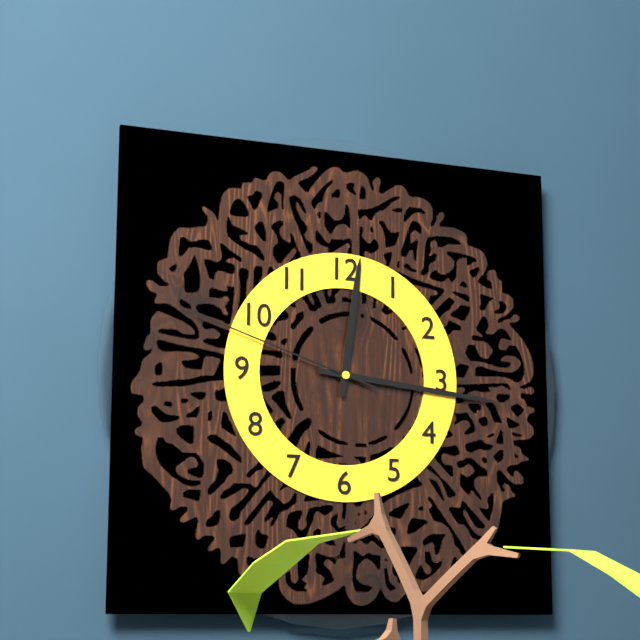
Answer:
12:16:48
